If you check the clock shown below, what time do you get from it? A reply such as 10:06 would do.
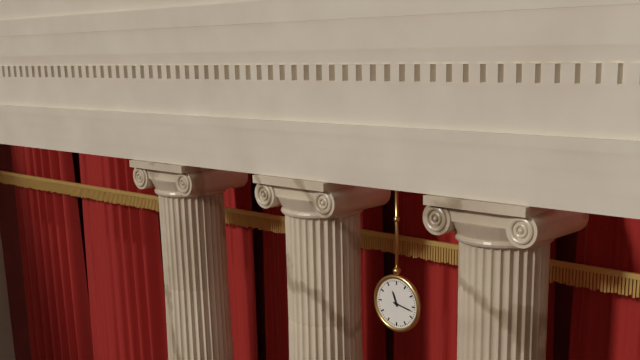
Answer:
11:17
